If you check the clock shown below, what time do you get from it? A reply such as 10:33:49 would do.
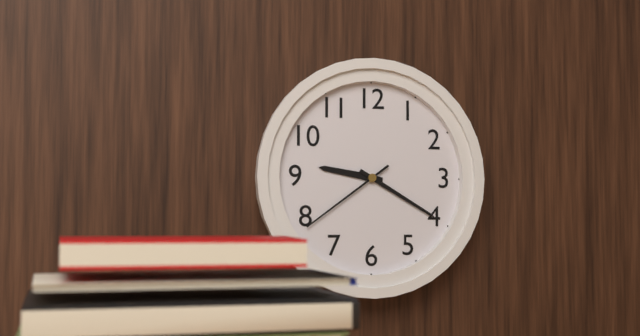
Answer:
9:20:39
